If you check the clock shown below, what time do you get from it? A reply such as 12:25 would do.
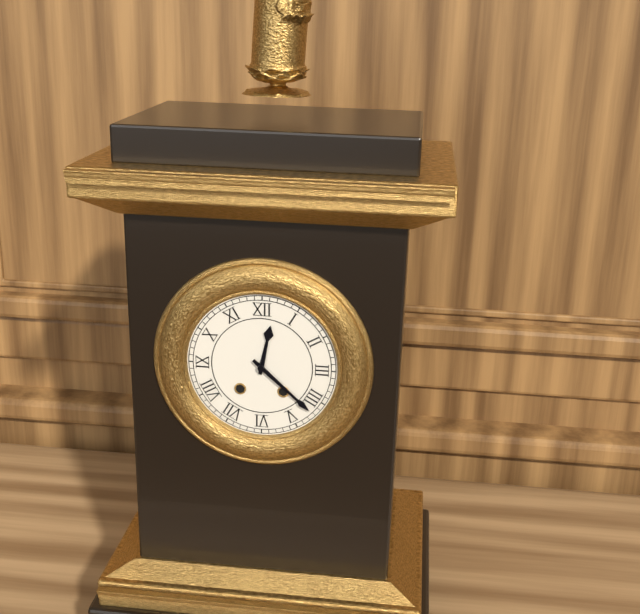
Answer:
12:22
